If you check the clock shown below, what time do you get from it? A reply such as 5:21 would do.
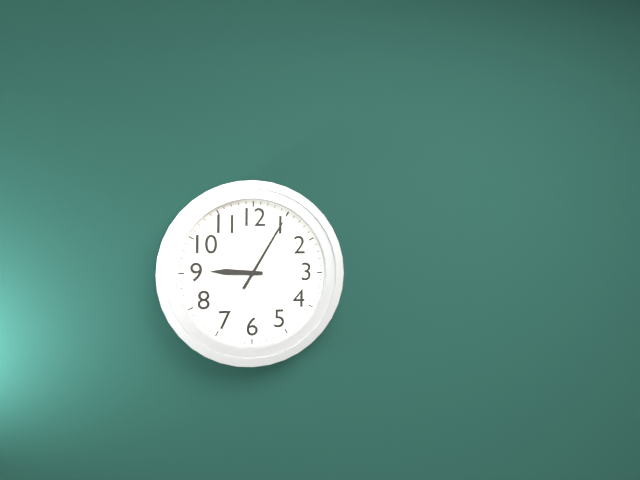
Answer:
9:05
